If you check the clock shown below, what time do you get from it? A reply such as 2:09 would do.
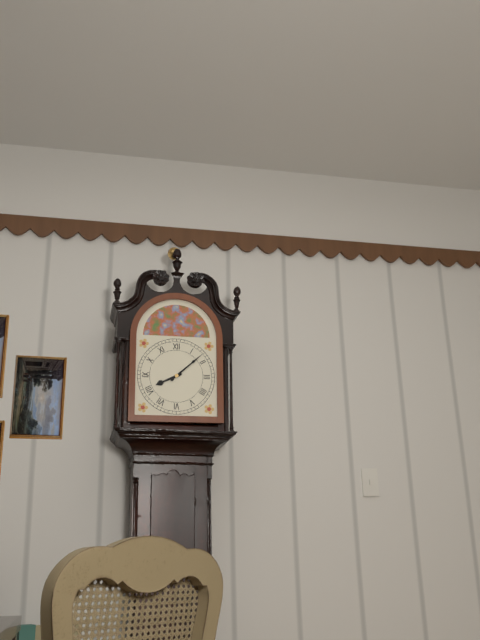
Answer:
8:08
